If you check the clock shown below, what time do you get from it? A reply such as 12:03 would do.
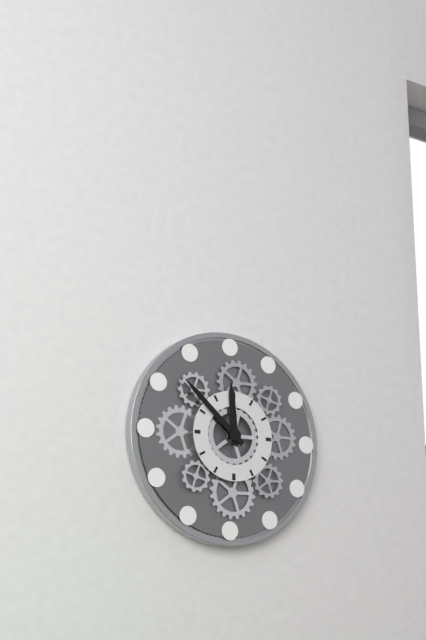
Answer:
11:52
